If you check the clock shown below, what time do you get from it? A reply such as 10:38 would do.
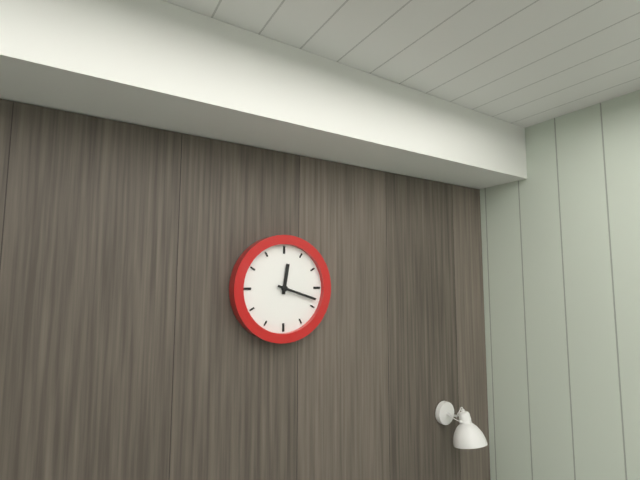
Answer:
12:18
